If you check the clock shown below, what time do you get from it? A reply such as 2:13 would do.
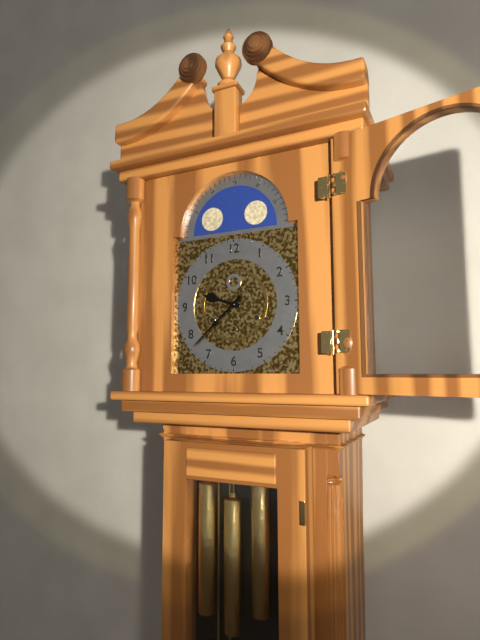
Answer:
9:38
